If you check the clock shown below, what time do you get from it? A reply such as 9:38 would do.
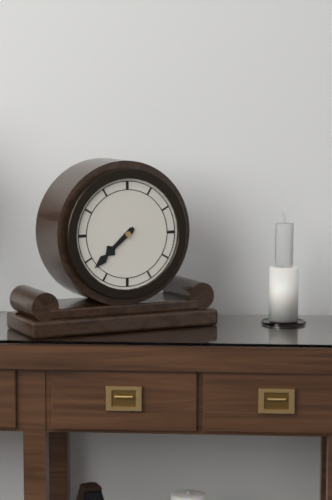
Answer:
7:38
